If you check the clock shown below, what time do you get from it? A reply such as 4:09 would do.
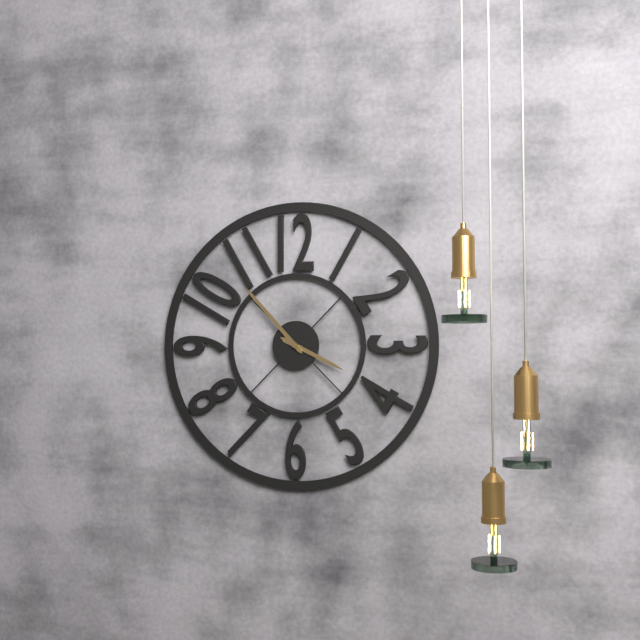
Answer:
3:53
